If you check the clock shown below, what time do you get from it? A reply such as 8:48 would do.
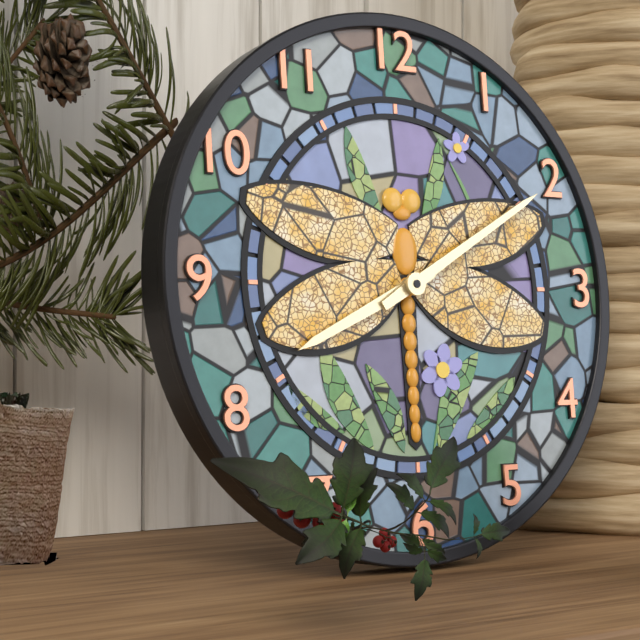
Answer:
8:10
